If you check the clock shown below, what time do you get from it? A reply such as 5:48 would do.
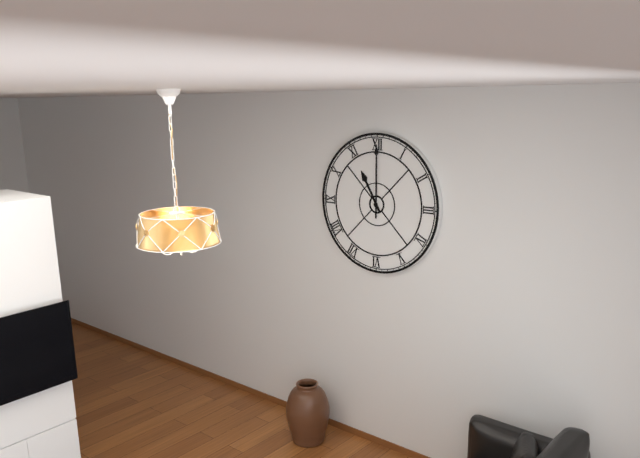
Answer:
11:00
